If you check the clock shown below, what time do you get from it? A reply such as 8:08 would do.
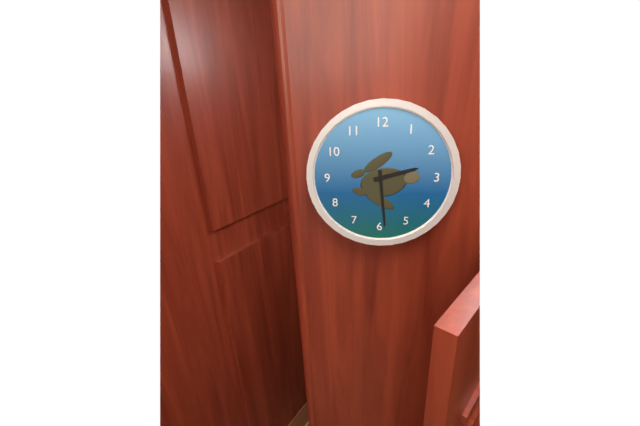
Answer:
2:29
